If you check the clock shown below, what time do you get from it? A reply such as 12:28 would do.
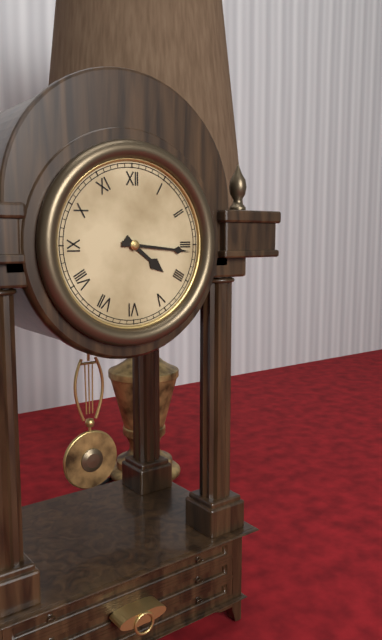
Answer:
4:16
